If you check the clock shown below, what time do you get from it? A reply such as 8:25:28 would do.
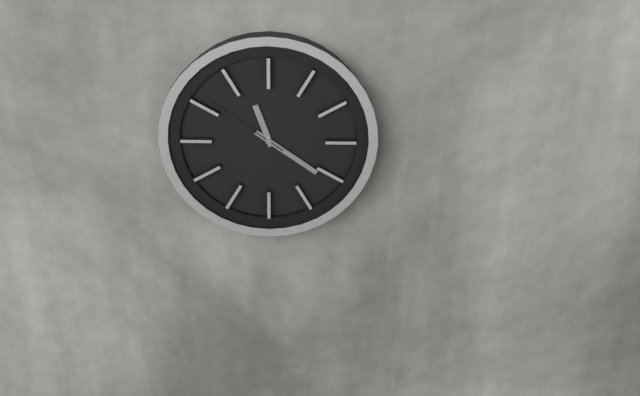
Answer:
11:21:51
